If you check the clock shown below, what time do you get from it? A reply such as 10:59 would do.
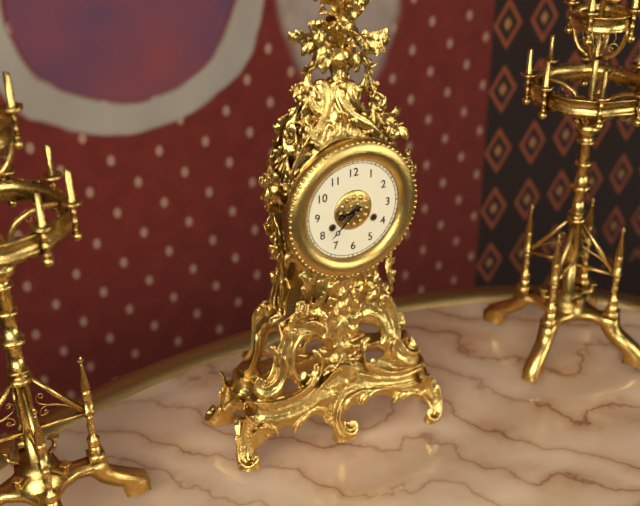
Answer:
8:38
